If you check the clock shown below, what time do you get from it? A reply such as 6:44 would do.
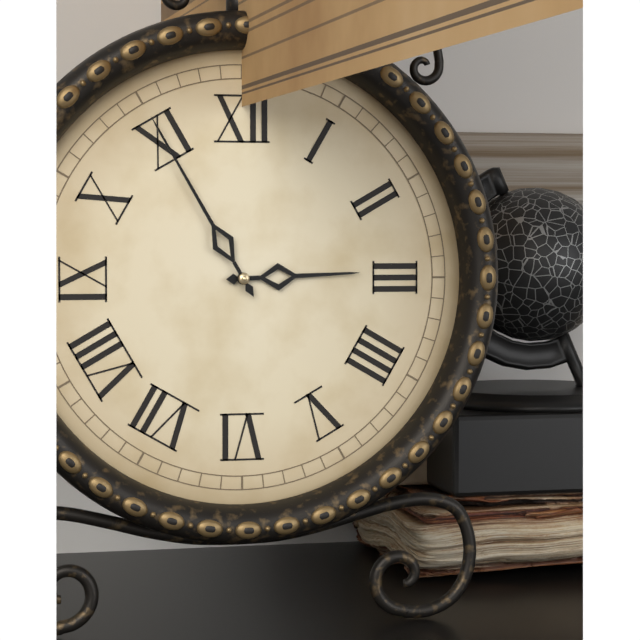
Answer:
2:55
